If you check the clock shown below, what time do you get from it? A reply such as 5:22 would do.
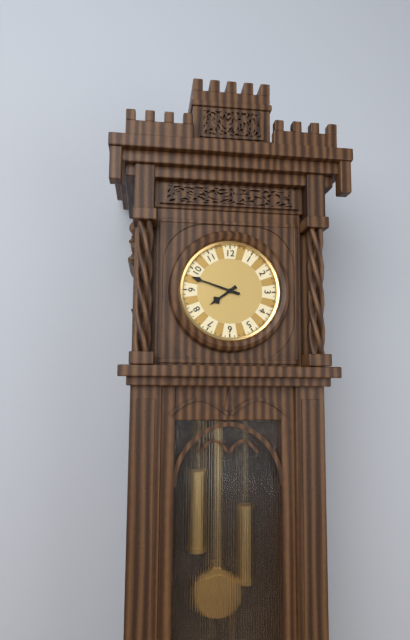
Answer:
7:48
